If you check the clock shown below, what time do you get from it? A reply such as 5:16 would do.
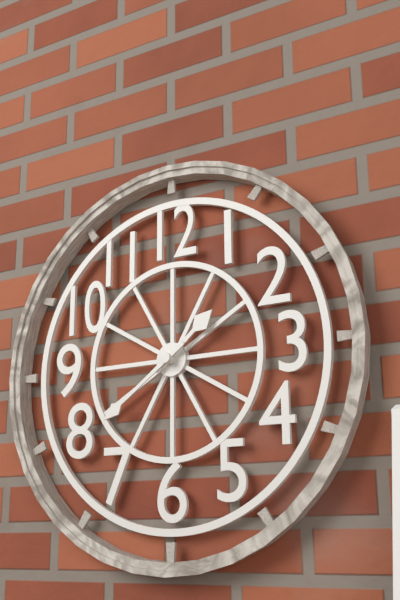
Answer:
1:39
